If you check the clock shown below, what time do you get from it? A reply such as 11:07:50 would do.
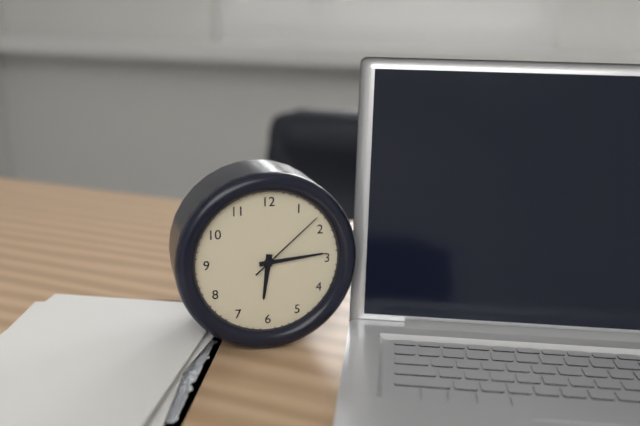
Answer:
6:14:08
